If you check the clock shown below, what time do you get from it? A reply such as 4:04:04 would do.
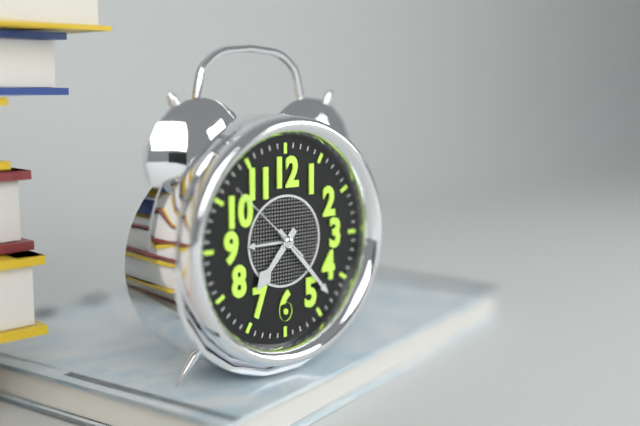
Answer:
7:23:52
